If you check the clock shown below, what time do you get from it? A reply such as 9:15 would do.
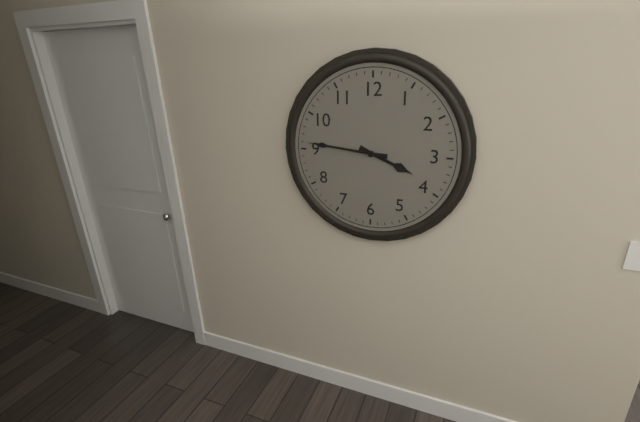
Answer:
3:46
